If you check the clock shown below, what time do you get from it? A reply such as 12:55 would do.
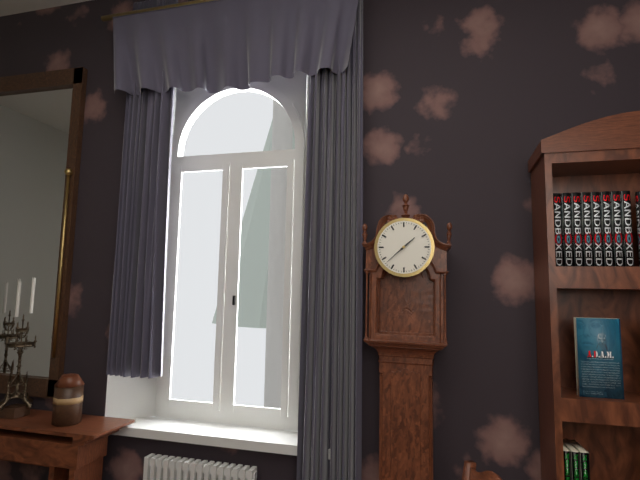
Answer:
1:38
